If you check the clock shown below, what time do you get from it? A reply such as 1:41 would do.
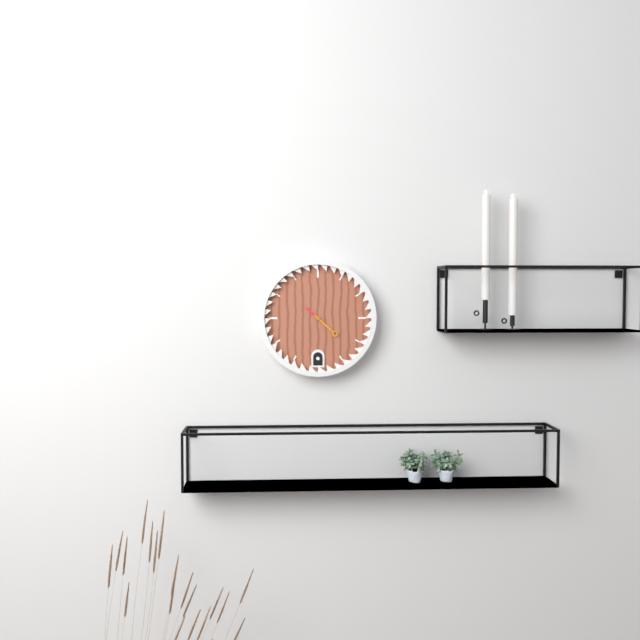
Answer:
10:22
